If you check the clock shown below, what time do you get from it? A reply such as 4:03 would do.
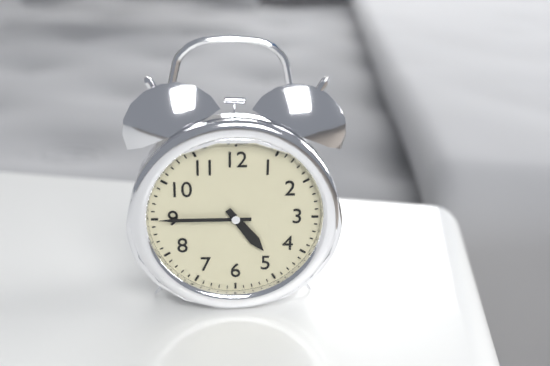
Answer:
4:45
